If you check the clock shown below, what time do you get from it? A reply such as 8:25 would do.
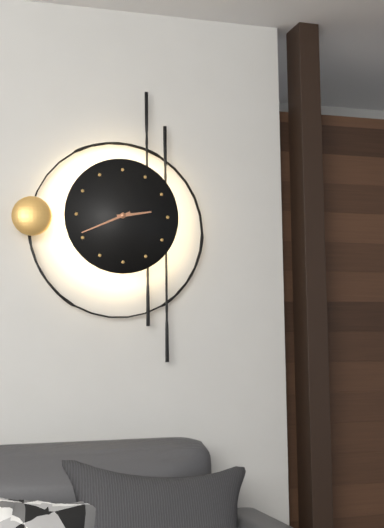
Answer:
2:41
